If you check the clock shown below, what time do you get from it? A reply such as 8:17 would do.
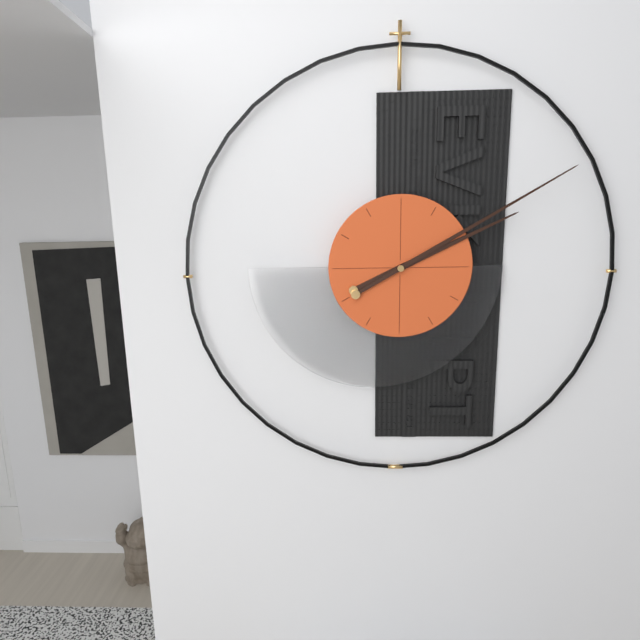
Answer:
2:10
